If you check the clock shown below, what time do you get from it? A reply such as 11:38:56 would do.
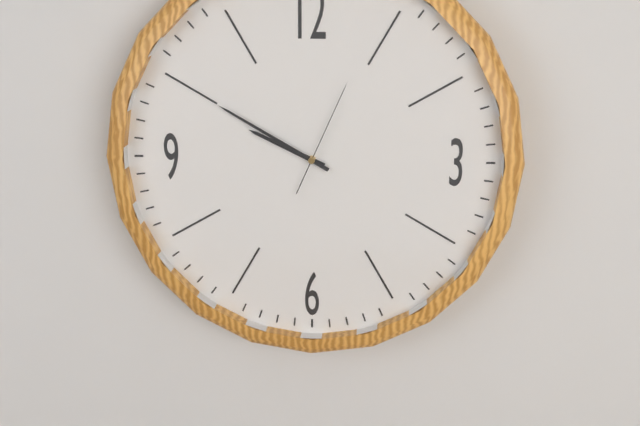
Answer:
9:50:04
